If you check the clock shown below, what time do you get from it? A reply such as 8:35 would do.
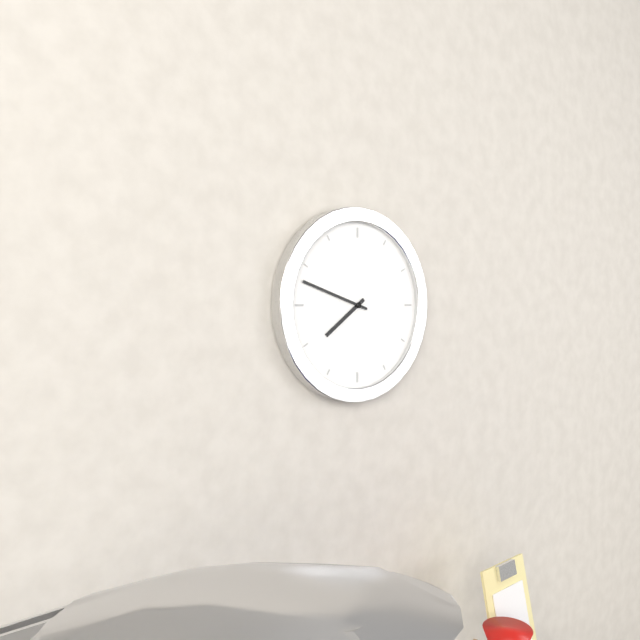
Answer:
7:48
